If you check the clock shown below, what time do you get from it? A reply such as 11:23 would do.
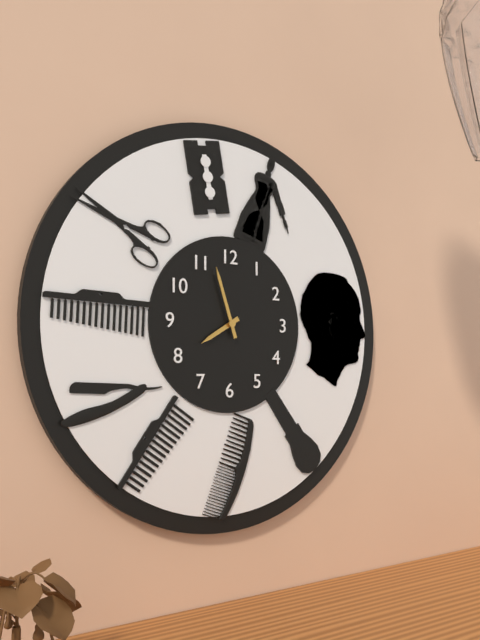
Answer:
7:57
